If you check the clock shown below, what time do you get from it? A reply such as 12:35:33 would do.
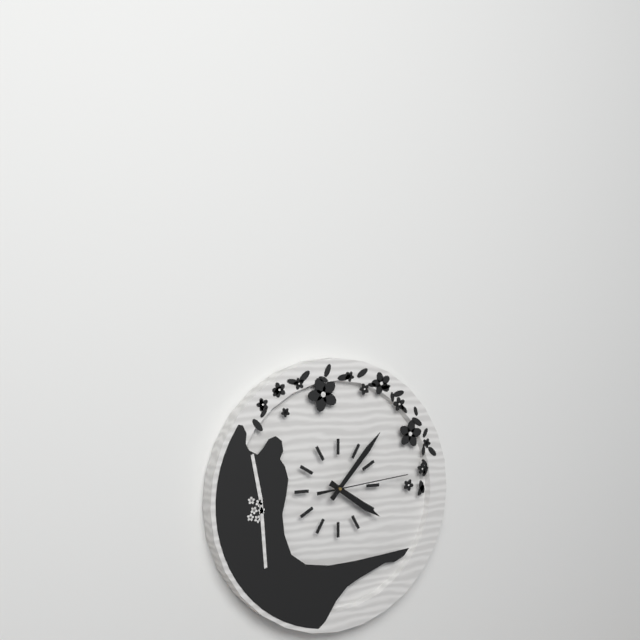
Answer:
4:07:14
